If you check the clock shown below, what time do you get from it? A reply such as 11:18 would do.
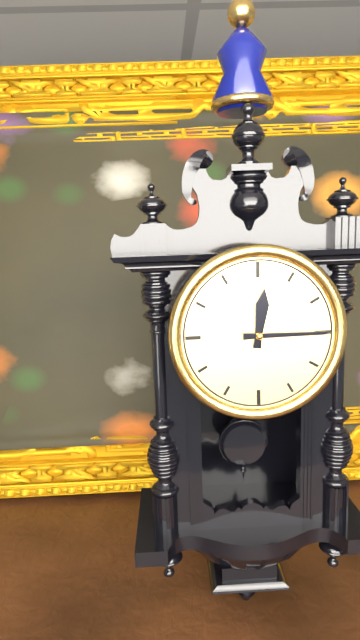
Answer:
12:15
